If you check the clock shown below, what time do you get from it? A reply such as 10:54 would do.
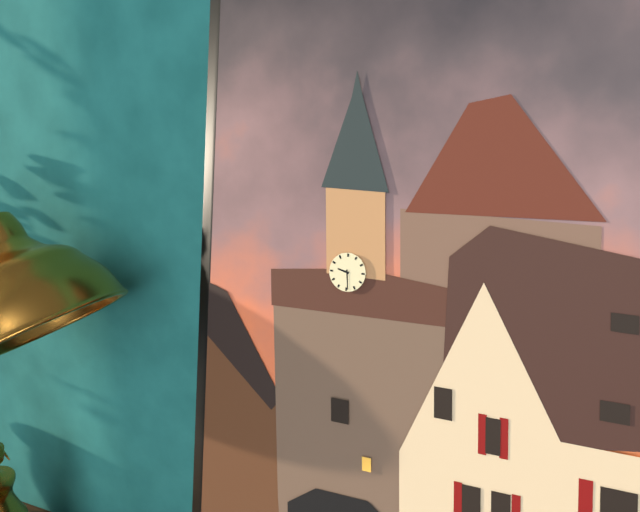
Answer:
9:29
